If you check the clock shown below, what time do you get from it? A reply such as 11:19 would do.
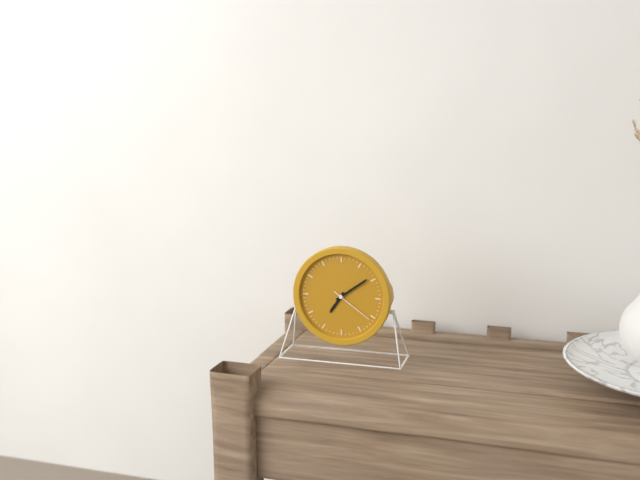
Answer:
7:09
